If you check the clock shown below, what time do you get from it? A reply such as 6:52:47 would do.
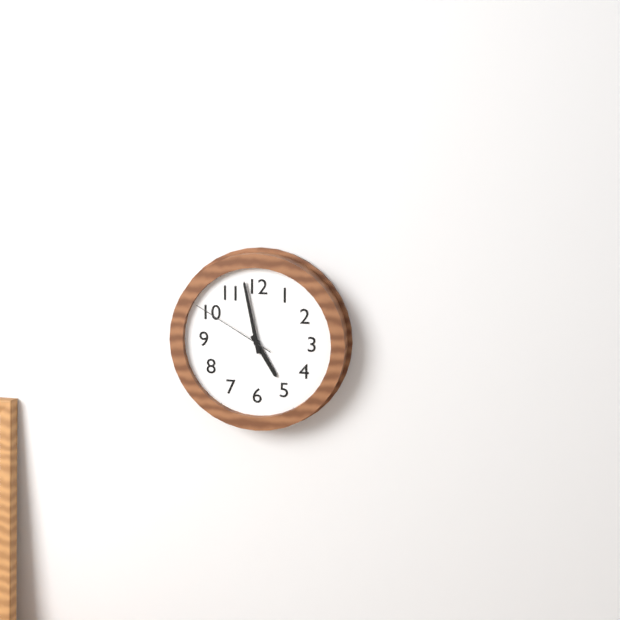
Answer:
4:58:50
